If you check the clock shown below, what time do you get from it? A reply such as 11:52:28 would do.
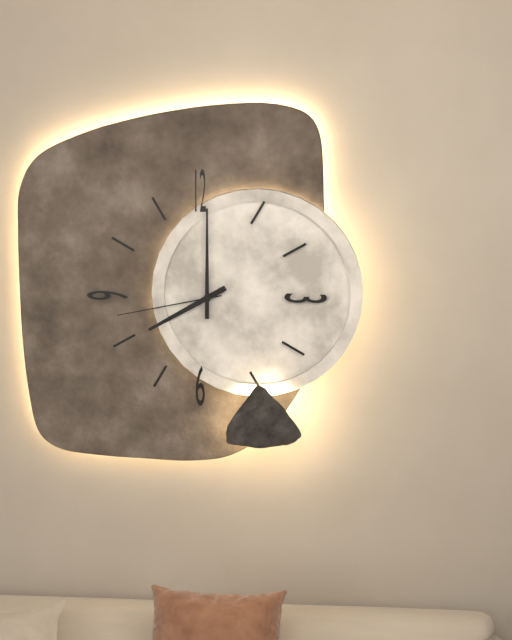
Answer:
8:00:43
